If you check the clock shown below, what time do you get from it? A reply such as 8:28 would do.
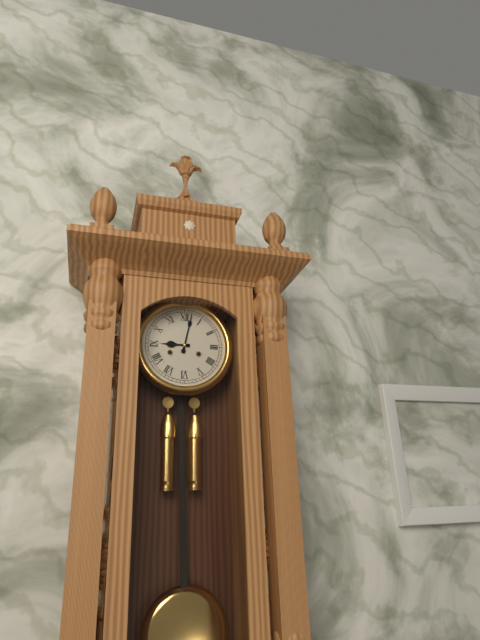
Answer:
9:02
